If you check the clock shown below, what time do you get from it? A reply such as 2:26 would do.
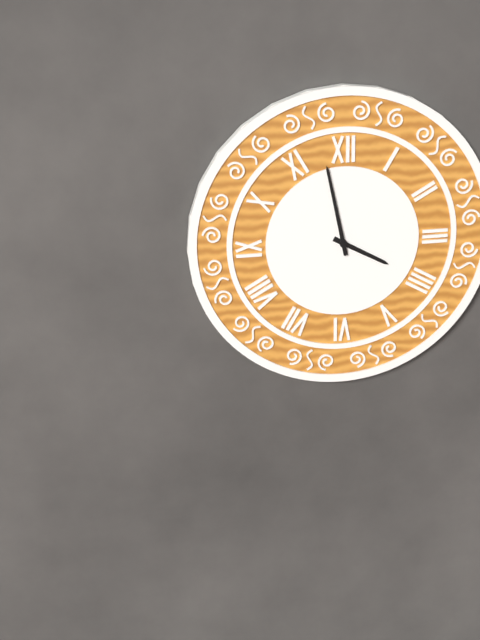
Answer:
3:58
